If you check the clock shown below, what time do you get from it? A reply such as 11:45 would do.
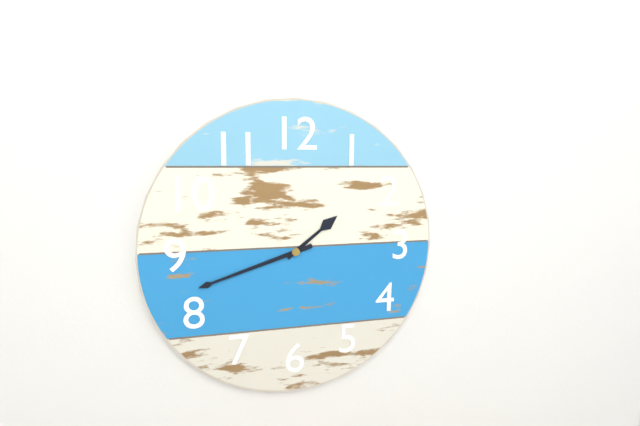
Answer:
1:42
